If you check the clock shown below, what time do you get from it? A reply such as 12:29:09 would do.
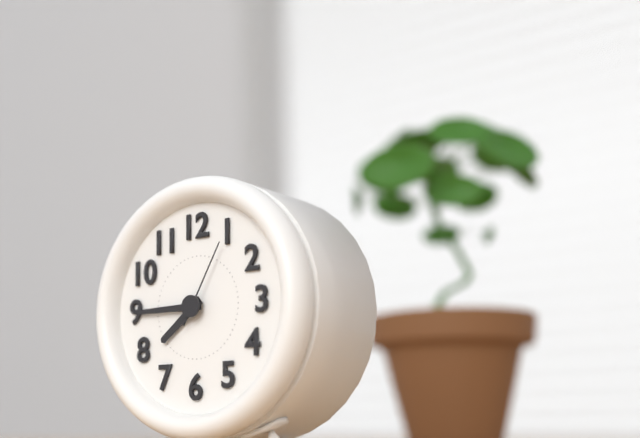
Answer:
7:45:05
